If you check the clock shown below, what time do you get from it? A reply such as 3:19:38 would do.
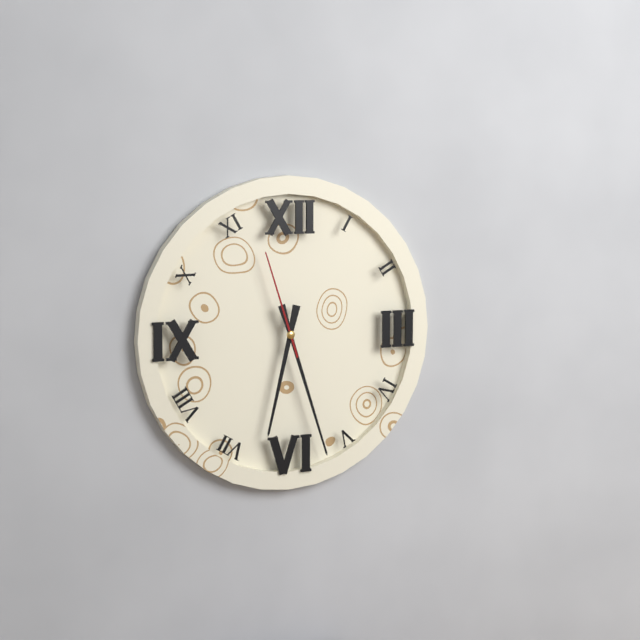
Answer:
6:27:57
